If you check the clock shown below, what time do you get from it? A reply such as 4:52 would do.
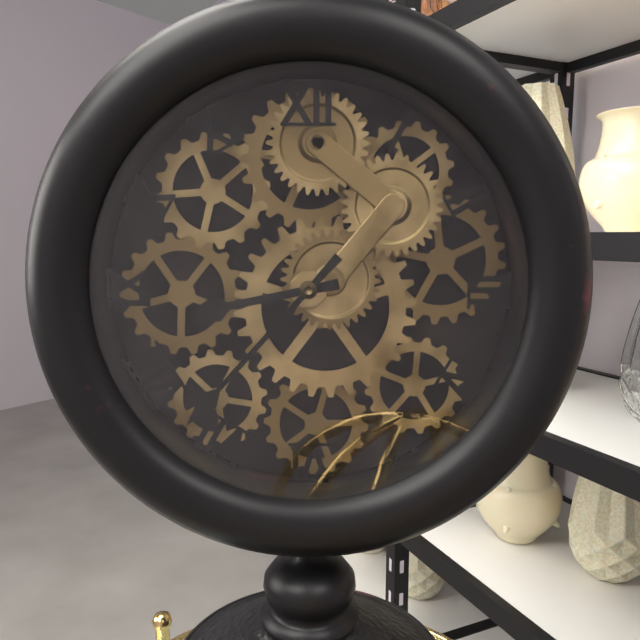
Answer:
8:37
